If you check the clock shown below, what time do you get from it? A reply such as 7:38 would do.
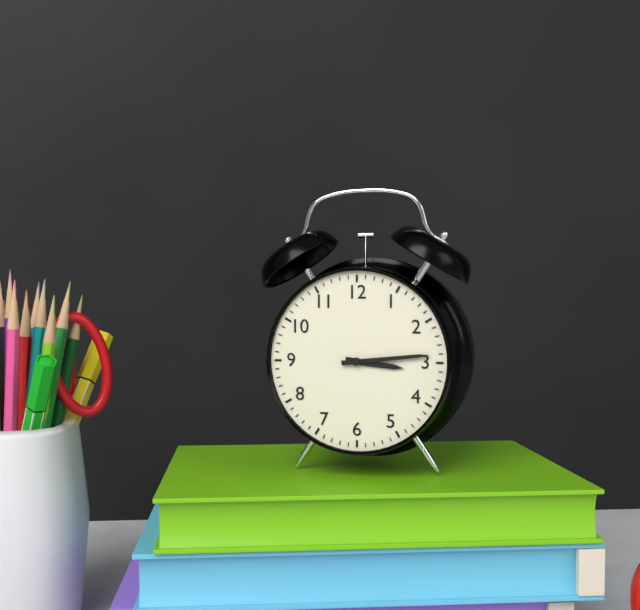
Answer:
3:14
